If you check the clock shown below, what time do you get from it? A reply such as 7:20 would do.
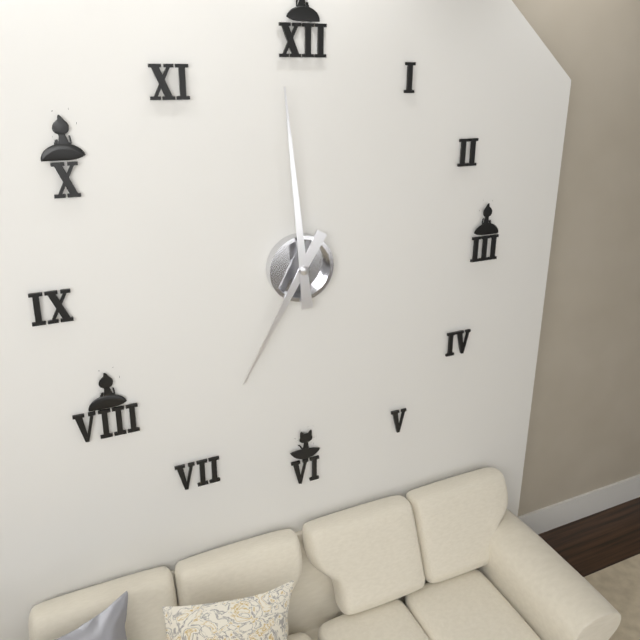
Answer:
6:59
